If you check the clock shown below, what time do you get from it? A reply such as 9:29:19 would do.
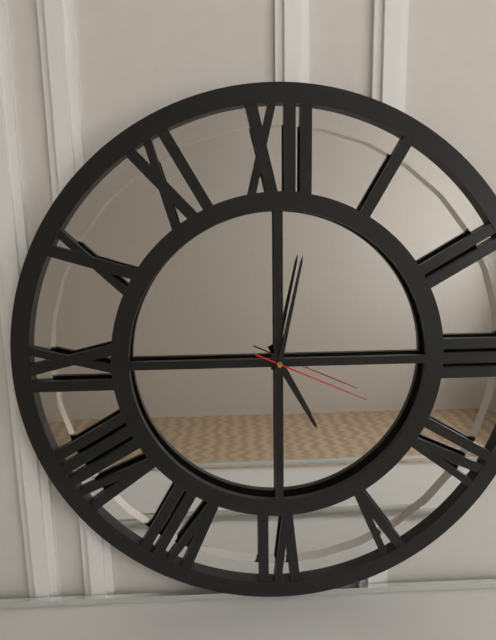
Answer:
5:02:19
